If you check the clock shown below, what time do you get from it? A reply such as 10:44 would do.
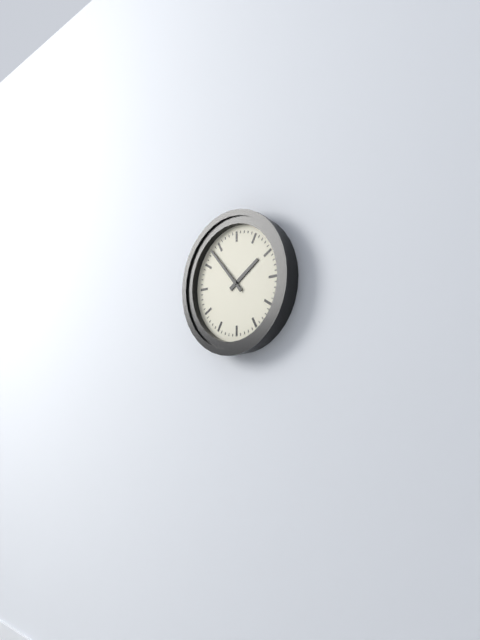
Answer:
1:53
